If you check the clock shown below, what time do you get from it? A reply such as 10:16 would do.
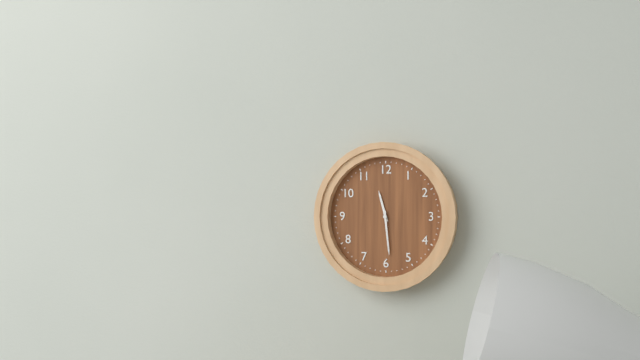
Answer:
11:29
